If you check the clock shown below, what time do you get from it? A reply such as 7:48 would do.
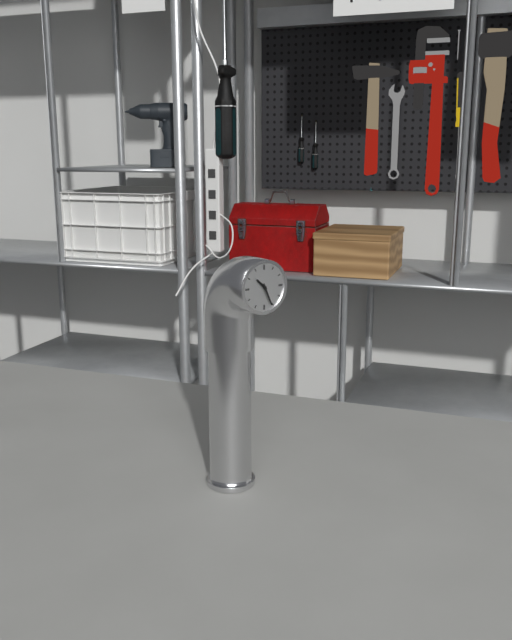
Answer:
10:26
